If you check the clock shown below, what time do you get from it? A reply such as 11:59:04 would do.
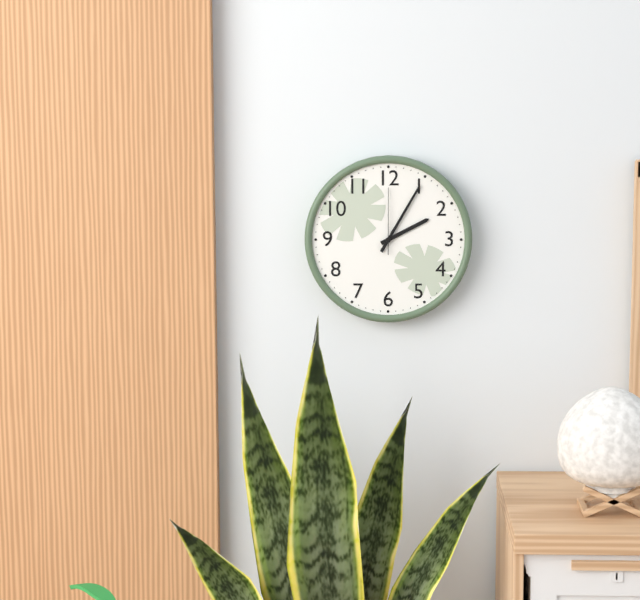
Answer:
2:05:00
